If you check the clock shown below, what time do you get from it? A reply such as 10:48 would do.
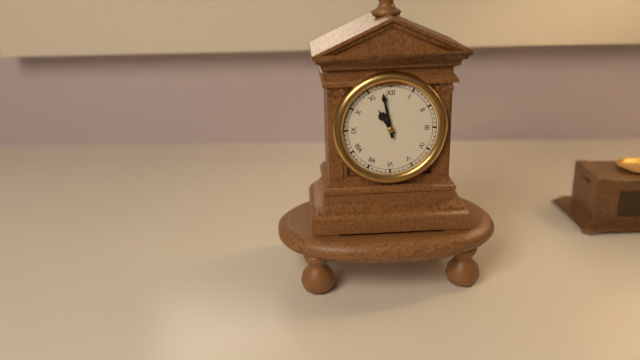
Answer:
10:58
